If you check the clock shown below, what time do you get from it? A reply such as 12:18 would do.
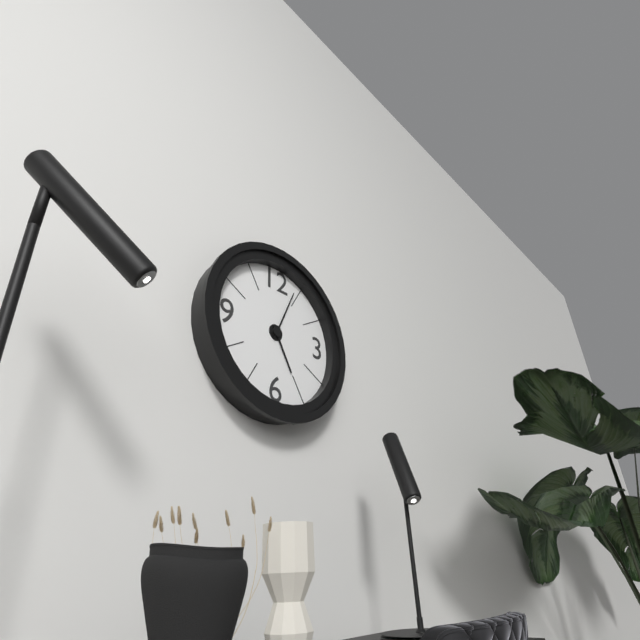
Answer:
5:04
